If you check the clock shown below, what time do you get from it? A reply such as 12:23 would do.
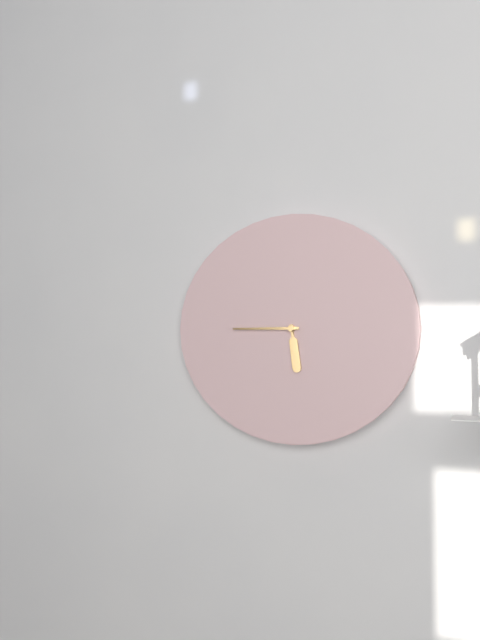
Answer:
5:45
